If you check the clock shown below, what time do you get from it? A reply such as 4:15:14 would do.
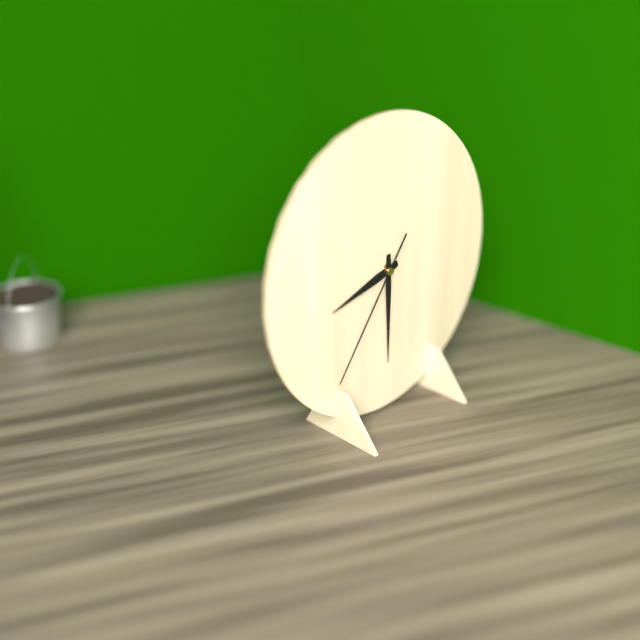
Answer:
8:30:36
